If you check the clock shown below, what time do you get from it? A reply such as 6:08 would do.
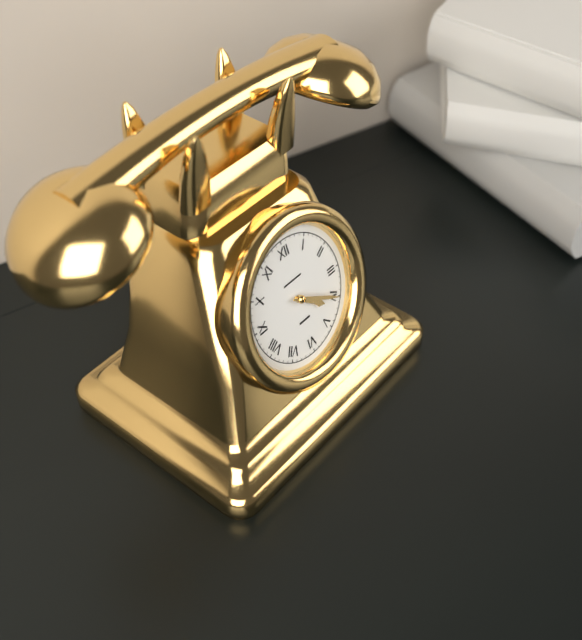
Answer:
4:20
